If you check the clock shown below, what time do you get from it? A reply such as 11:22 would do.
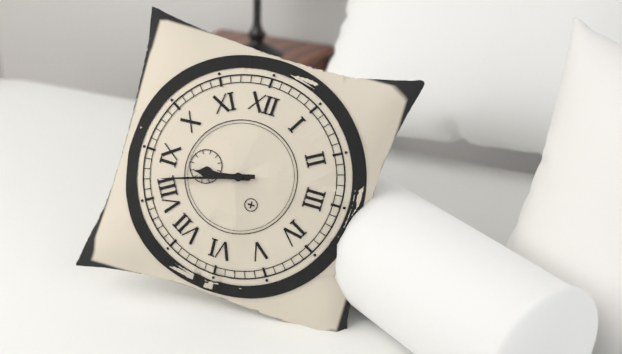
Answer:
8:42
